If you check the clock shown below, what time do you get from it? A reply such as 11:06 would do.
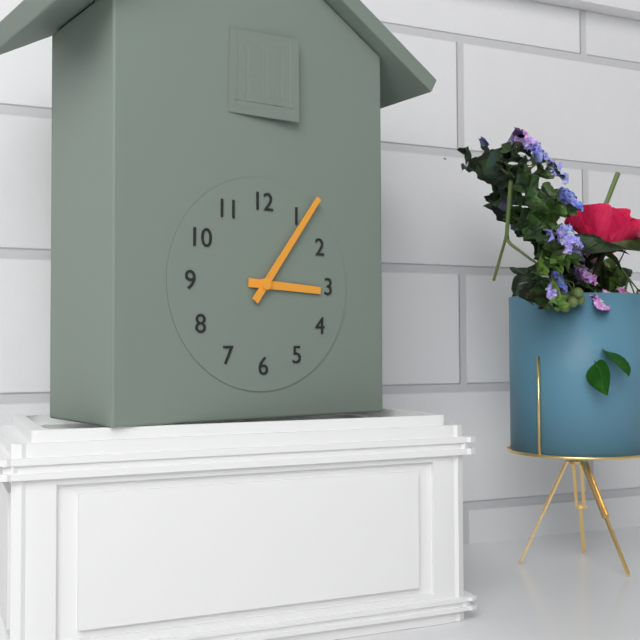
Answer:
3:06
